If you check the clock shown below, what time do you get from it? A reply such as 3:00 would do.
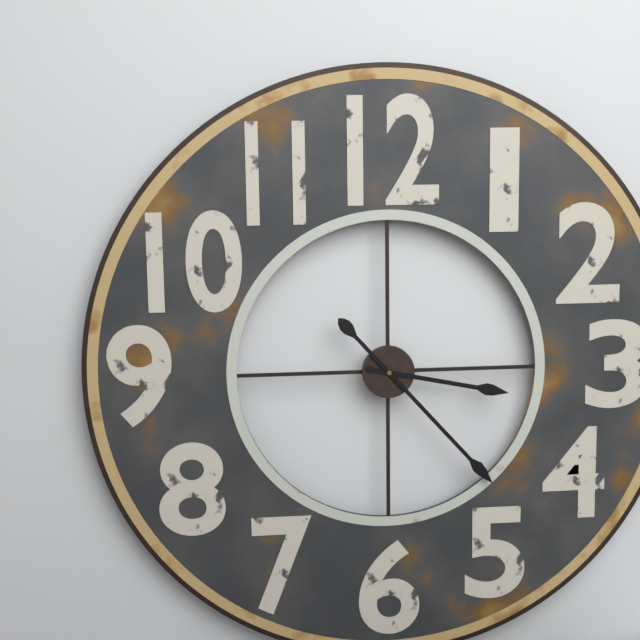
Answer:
3:23
